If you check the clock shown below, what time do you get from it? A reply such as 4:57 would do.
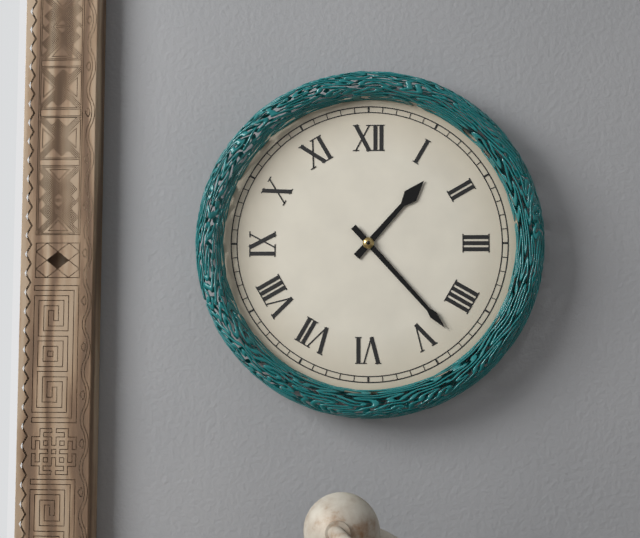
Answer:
1:23
